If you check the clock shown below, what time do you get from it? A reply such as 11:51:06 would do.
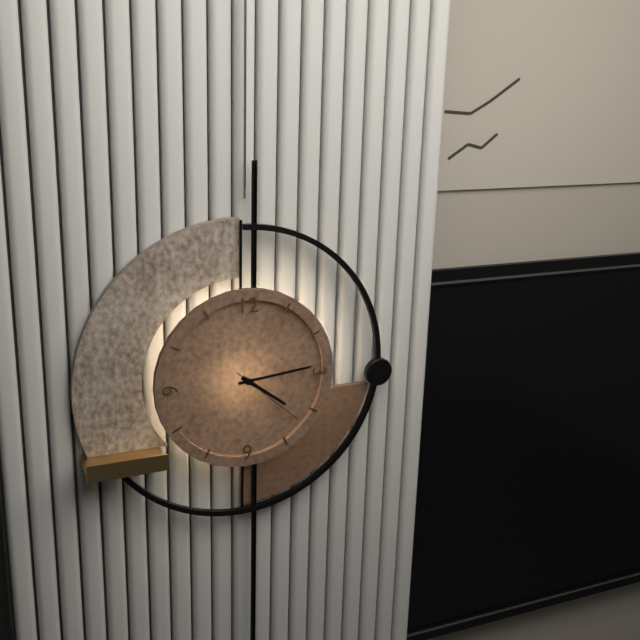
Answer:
4:14:22
